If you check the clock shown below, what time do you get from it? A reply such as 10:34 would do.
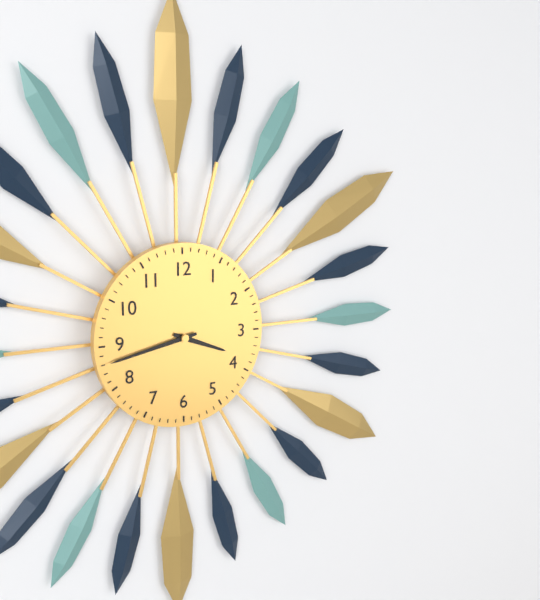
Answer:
3:43
